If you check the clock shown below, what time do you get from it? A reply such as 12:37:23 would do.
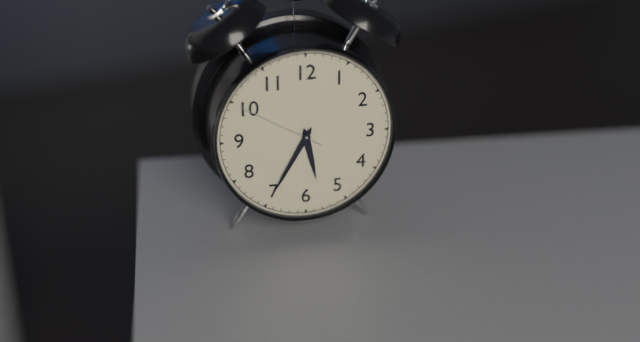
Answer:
5:35:50
